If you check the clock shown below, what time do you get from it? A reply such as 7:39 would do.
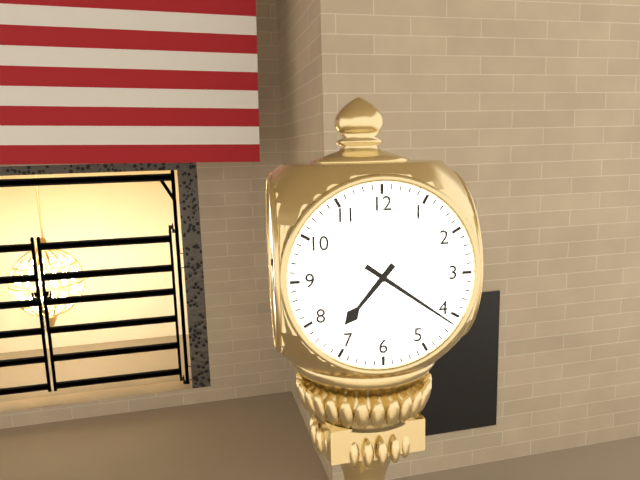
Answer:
7:21
